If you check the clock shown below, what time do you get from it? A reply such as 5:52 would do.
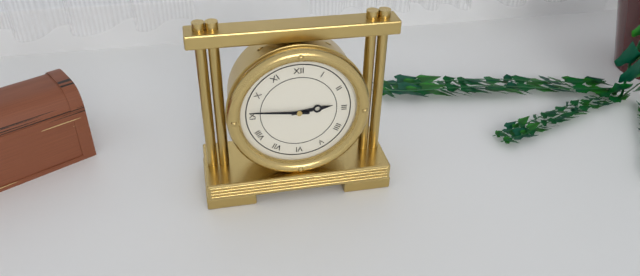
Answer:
2:46
